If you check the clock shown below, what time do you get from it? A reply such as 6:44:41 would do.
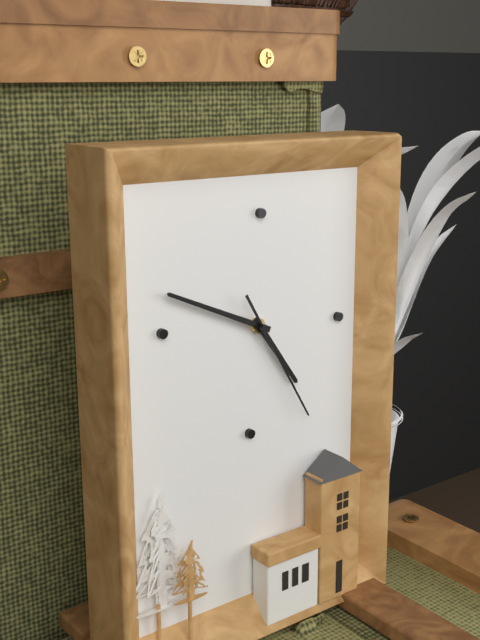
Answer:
4:49:25
